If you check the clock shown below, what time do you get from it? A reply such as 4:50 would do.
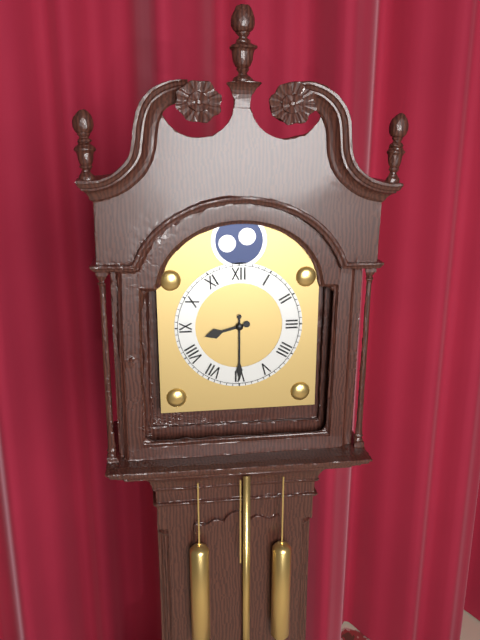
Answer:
8:30
